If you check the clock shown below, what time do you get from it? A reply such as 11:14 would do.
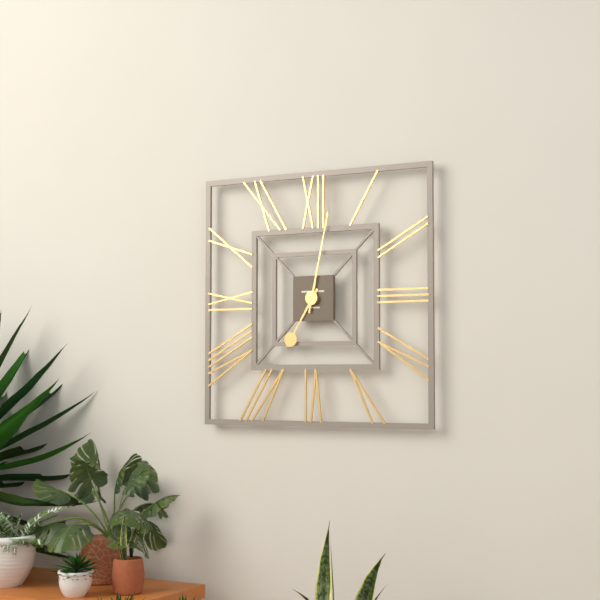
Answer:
7:02
